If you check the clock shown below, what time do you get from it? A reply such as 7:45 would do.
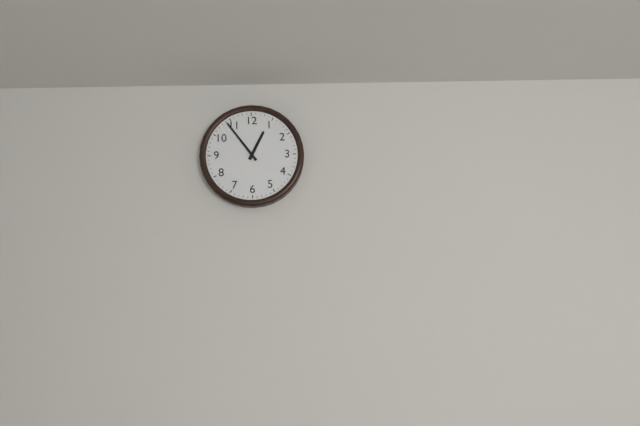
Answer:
12:54
